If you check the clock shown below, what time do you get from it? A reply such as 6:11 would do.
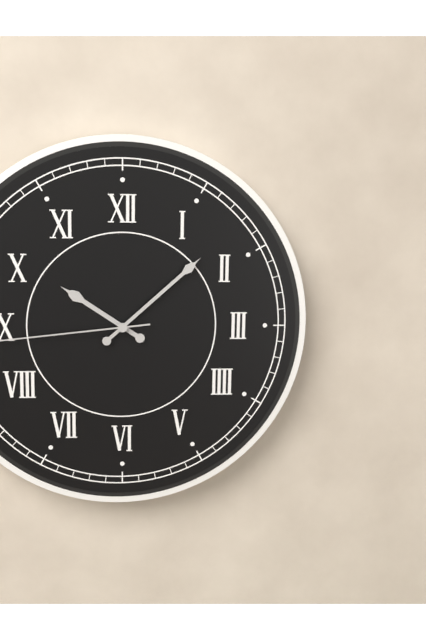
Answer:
10:08
